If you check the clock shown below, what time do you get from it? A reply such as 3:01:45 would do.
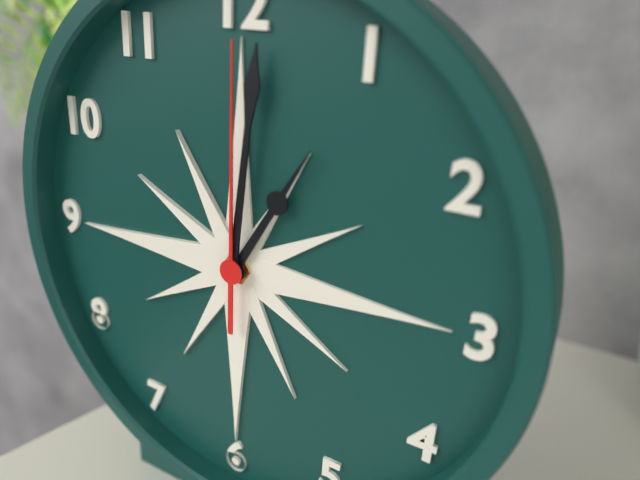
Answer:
1:01:00
